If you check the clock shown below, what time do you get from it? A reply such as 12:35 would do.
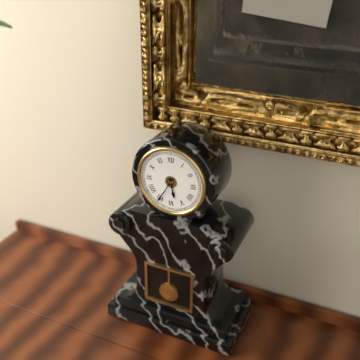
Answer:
5:35
